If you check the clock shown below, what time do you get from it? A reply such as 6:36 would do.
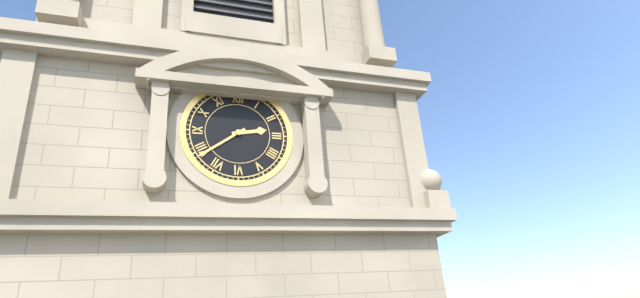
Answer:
2:39
